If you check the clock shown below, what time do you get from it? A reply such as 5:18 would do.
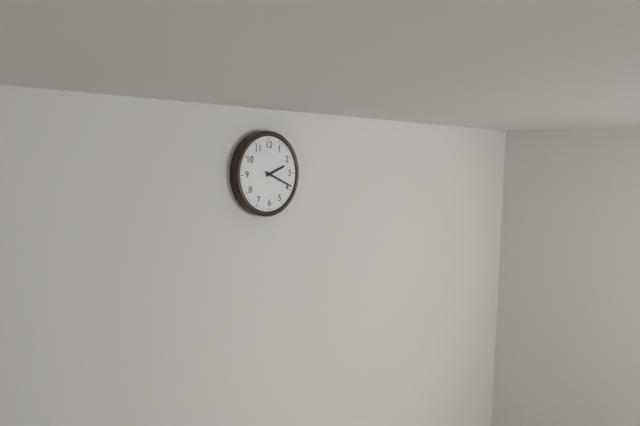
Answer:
2:19
